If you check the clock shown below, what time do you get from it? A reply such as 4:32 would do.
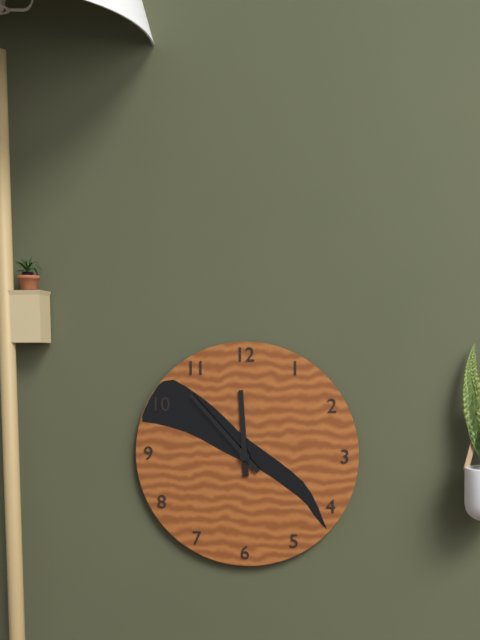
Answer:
11:53
